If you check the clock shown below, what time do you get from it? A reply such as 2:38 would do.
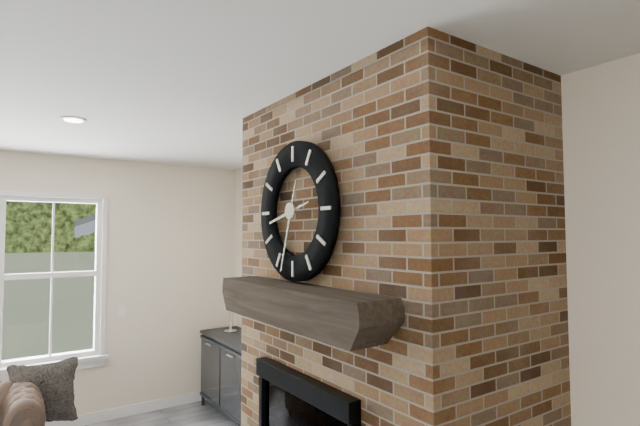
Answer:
8:33
